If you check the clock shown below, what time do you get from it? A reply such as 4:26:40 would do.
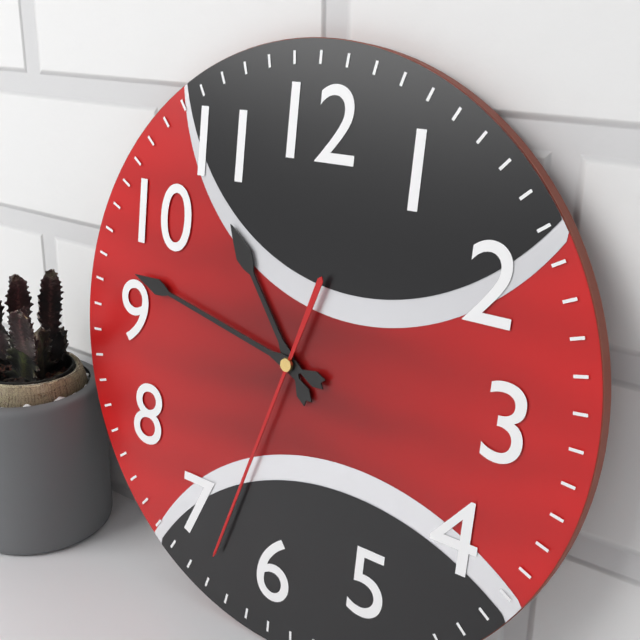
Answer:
10:47:33
